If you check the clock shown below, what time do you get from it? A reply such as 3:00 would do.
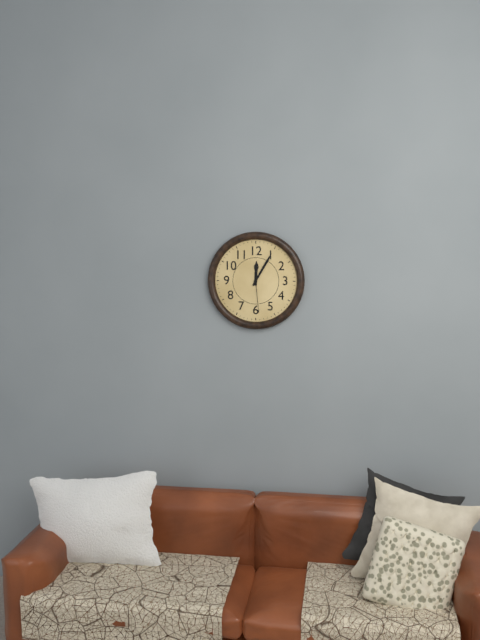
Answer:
12:05
